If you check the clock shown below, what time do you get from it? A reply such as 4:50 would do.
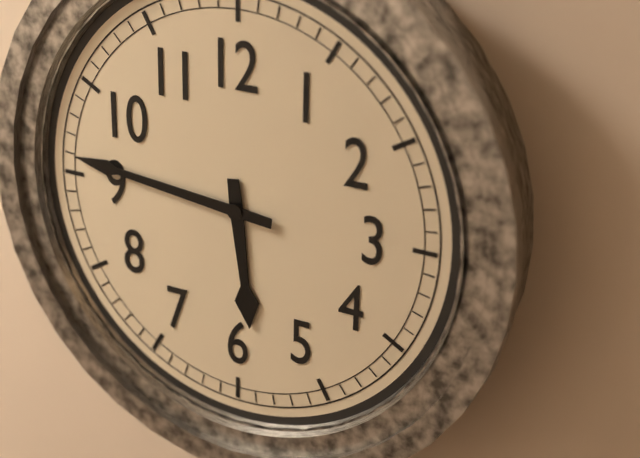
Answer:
5:46
